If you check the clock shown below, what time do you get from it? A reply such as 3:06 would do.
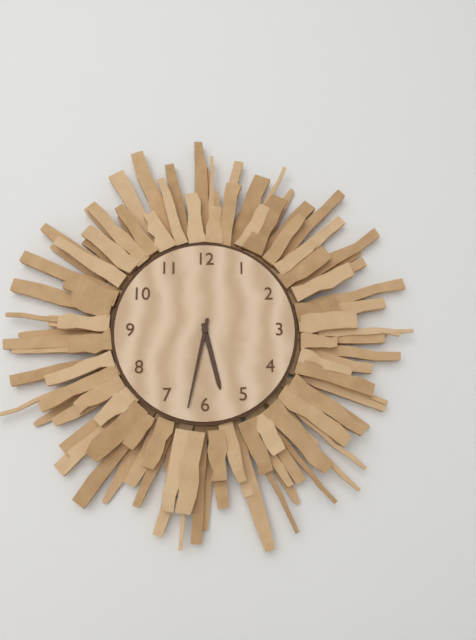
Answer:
5:32
